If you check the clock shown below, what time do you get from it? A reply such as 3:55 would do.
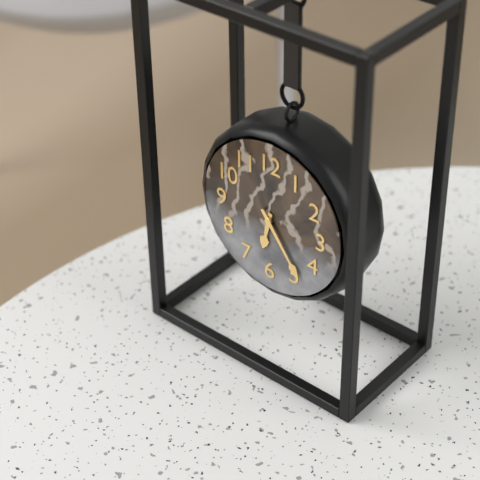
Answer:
6:24
